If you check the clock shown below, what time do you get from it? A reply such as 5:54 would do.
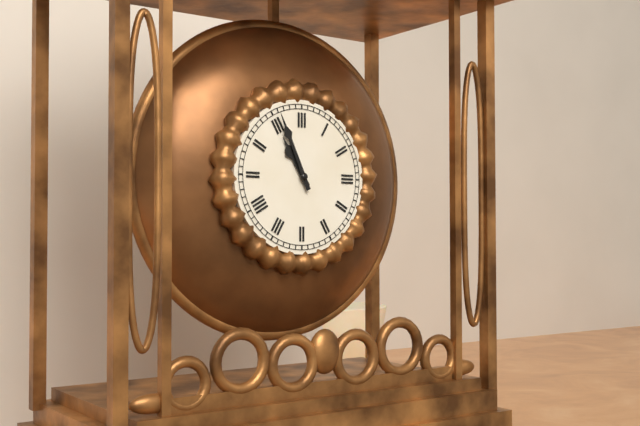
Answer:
10:56
